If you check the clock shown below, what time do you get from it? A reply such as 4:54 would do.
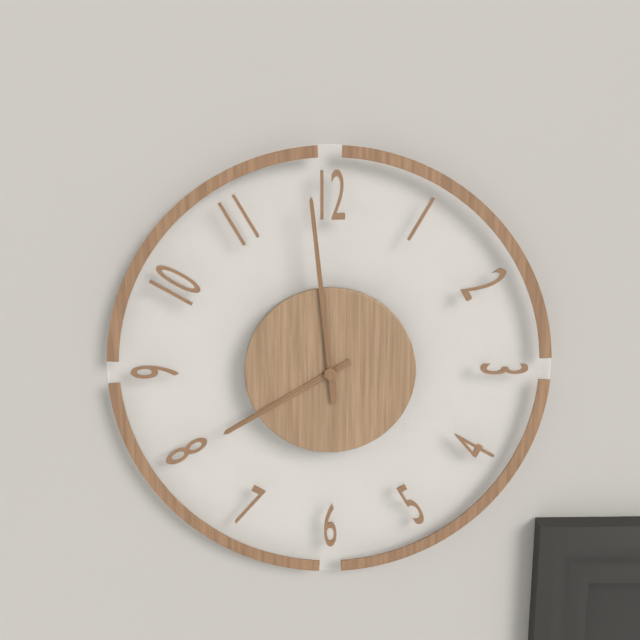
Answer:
7:59
